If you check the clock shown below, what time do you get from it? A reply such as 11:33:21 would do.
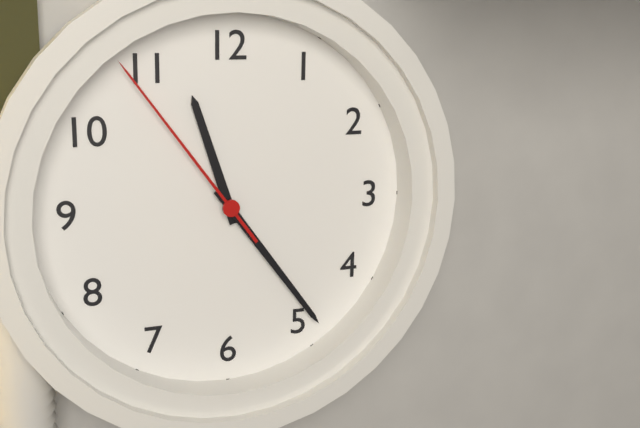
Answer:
11:24:54
